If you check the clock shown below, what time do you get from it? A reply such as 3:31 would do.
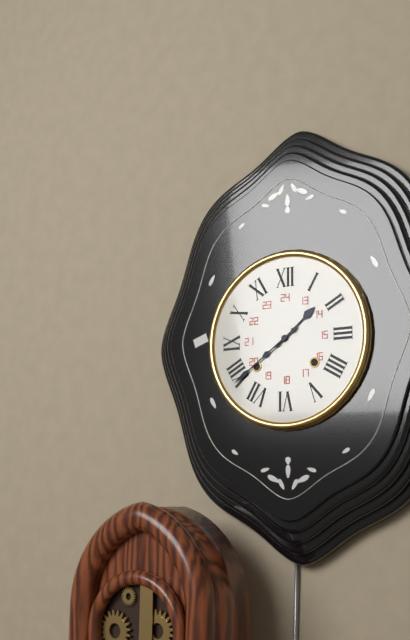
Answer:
1:39
